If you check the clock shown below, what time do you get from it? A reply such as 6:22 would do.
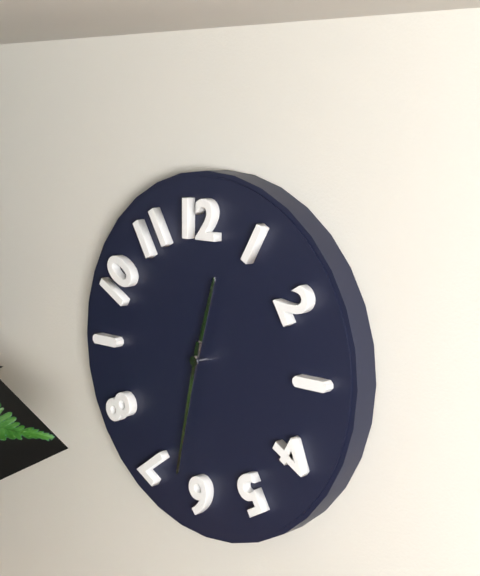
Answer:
12:32
